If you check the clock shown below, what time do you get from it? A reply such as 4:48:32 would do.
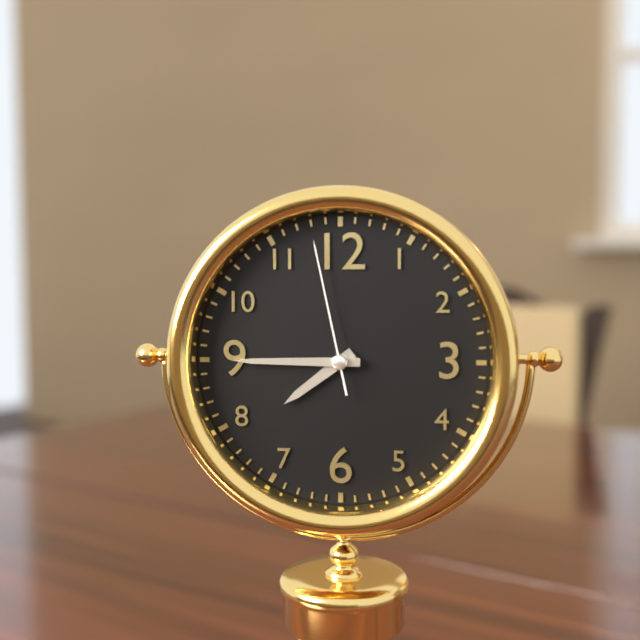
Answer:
7:45:58
